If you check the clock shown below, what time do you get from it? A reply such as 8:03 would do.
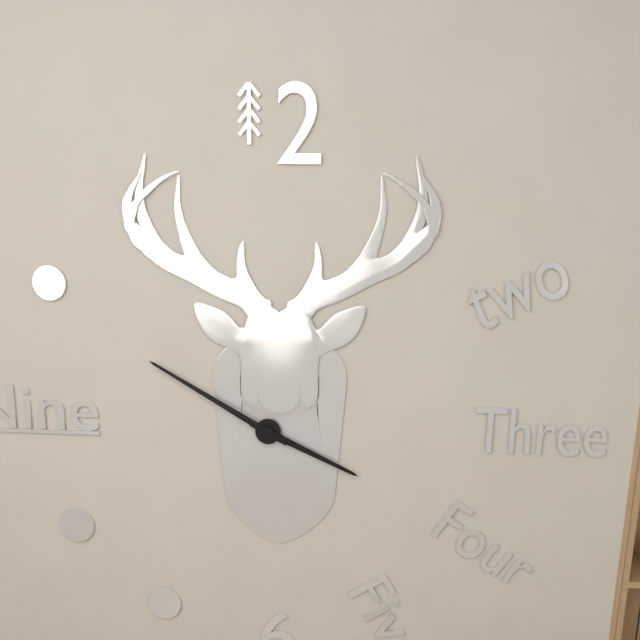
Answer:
3:50
